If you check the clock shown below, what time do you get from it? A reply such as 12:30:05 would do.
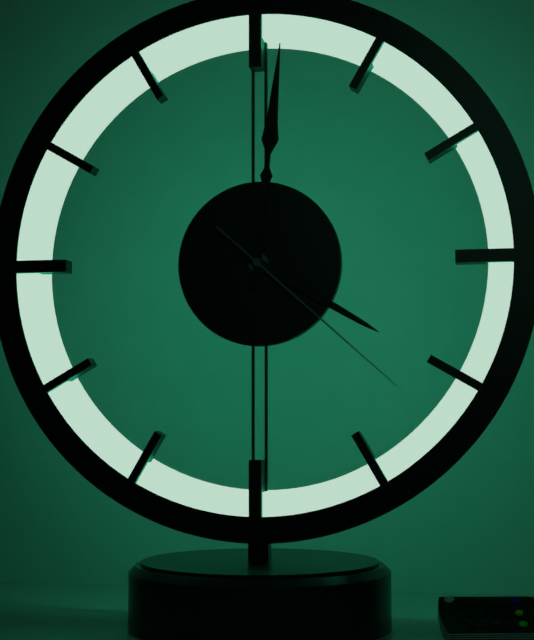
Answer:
4:01:22
